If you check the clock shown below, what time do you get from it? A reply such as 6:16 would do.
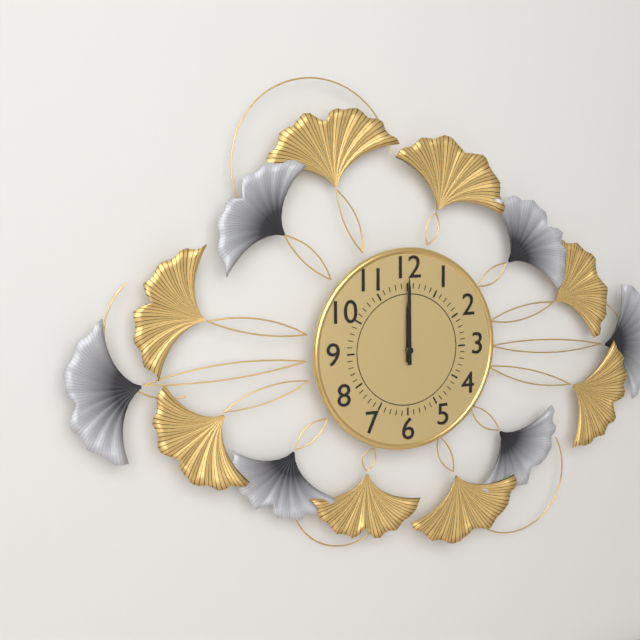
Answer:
12:00
